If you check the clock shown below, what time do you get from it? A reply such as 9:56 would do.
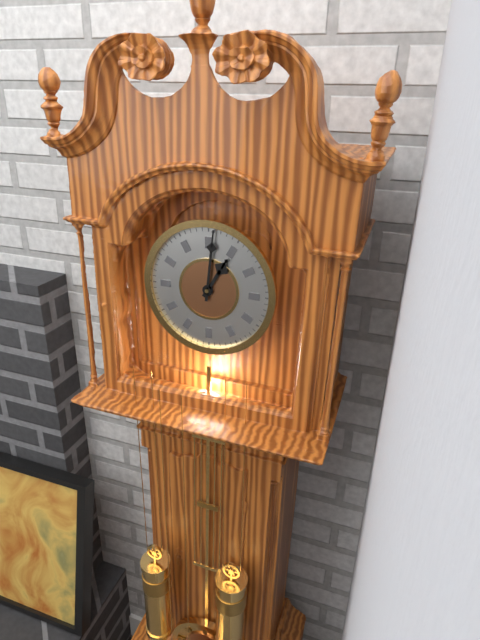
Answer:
1:01
